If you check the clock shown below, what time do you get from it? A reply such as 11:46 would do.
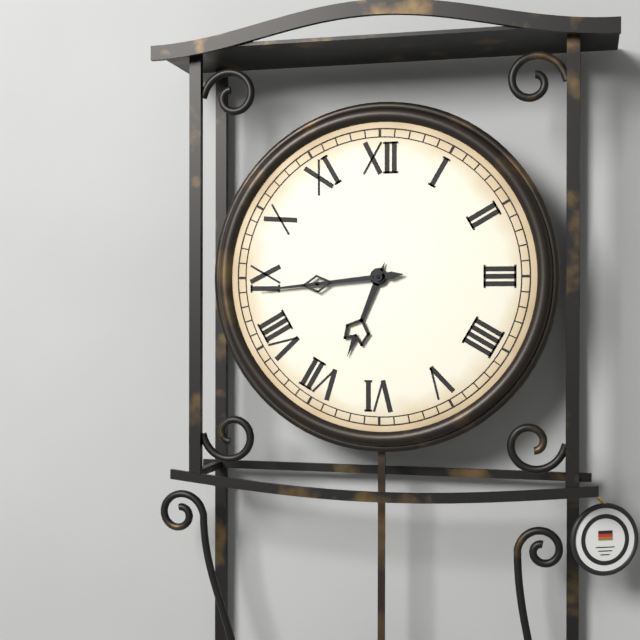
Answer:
6:44
